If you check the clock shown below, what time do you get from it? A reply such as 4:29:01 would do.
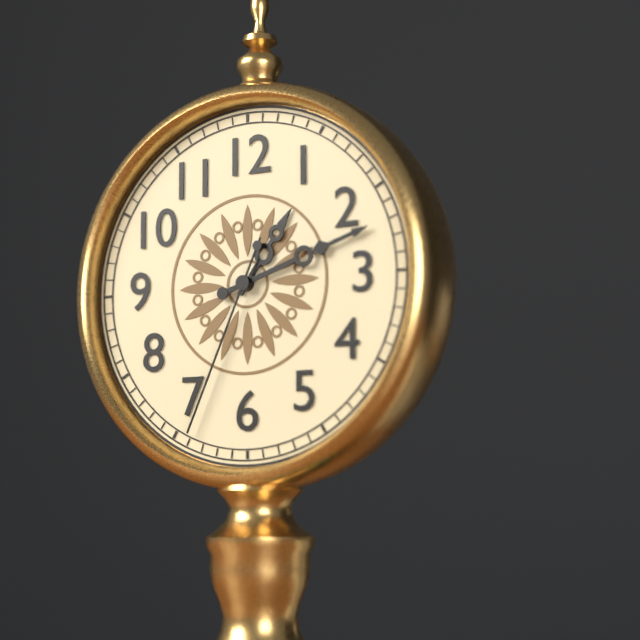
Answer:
1:12:34
